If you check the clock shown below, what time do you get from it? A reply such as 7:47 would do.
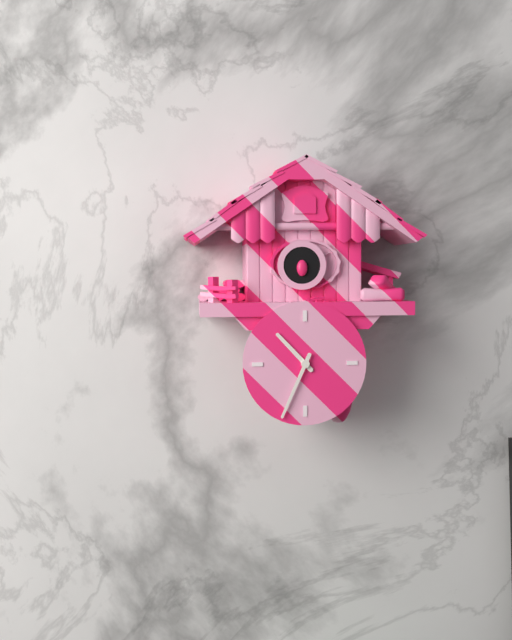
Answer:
10:34
